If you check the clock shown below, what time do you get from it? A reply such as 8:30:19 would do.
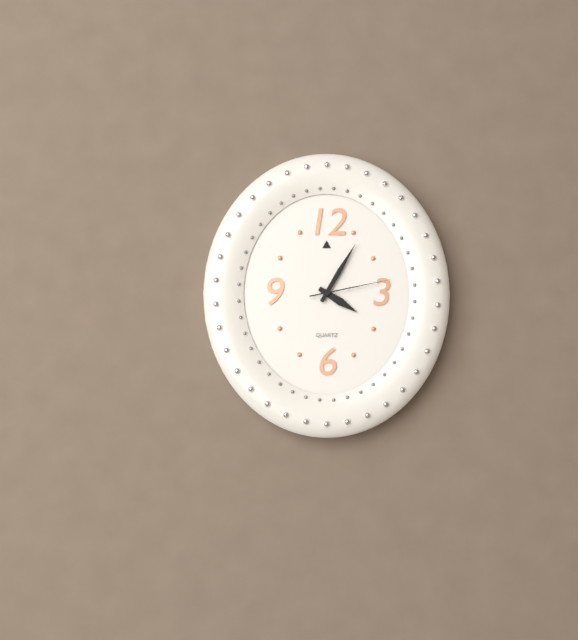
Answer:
4:05:13
